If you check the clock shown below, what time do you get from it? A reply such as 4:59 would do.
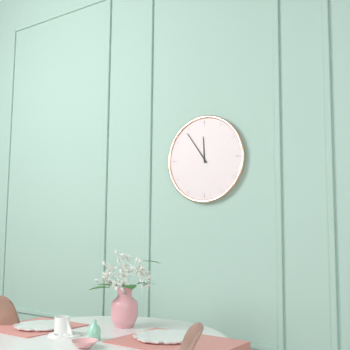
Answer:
11:54
